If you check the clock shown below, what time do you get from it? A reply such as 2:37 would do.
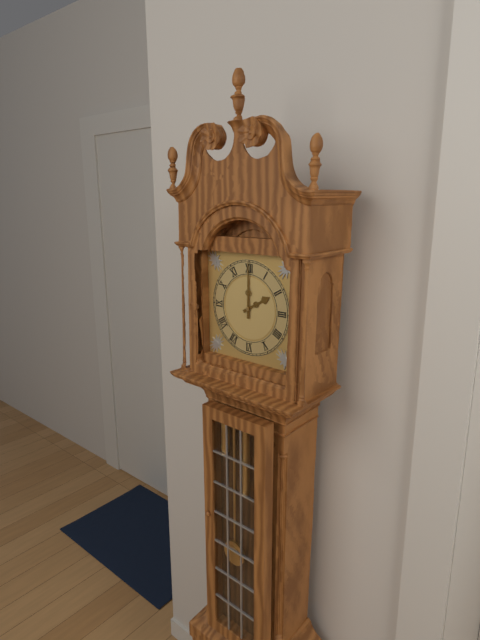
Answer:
2:00
